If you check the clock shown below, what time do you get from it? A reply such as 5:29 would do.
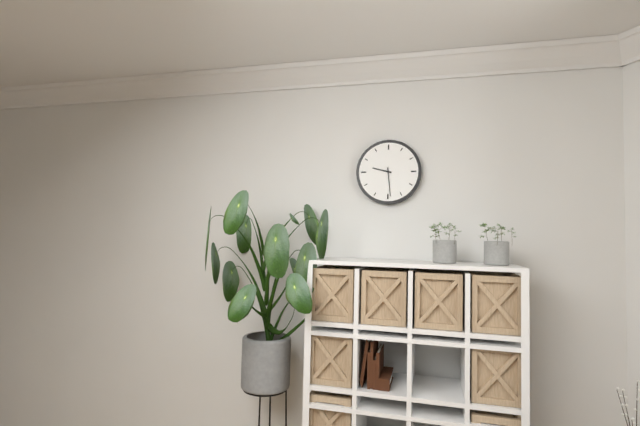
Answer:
9:29
